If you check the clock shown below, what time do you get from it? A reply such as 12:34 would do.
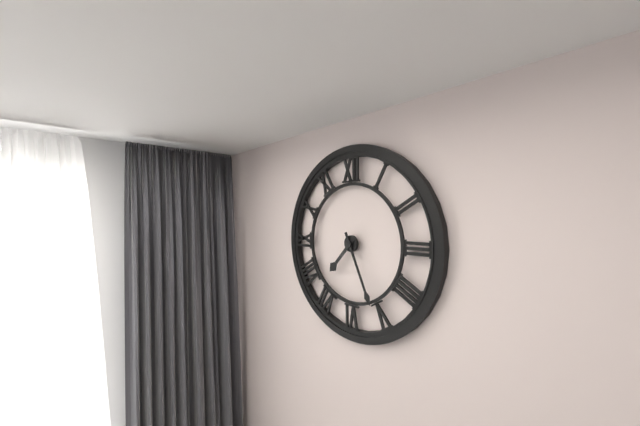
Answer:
7:26
